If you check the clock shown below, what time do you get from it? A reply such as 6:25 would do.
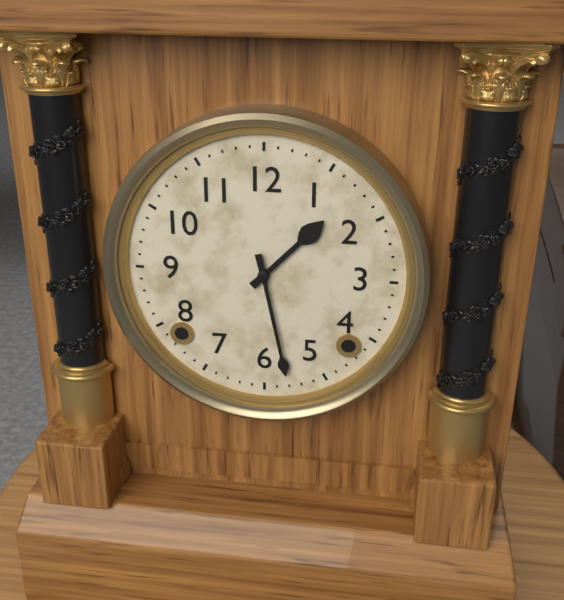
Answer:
1:28
